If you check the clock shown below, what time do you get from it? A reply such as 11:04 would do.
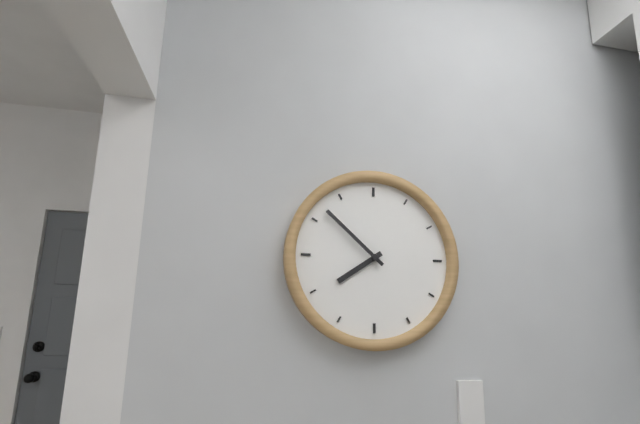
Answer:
7:52
